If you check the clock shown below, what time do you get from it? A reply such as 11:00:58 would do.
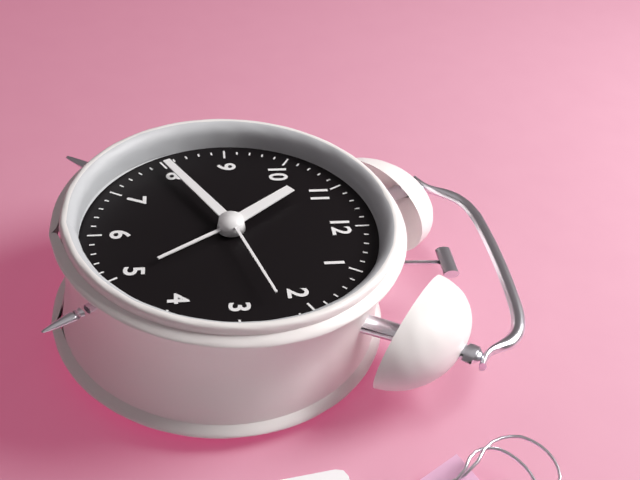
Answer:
10:40:12
